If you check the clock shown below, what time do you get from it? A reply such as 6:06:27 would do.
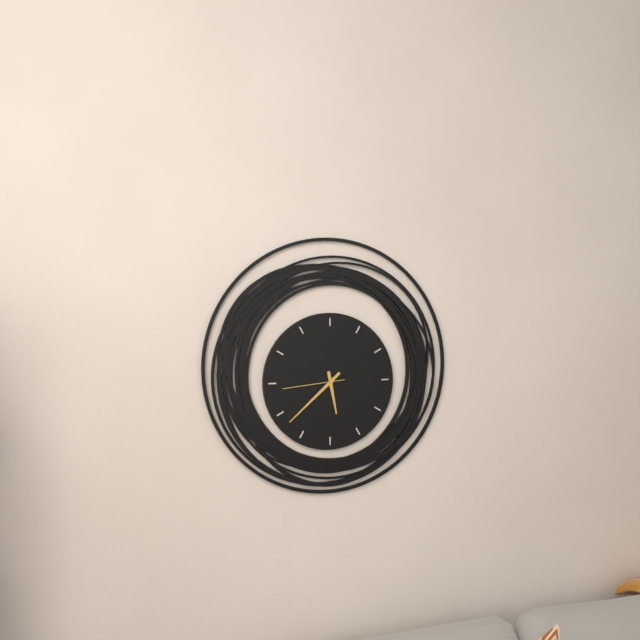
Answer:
5:38:44
